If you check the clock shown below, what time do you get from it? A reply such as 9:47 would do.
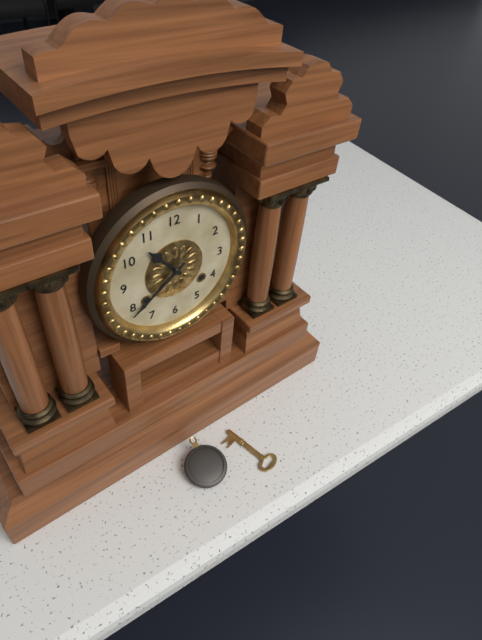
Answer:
10:39
